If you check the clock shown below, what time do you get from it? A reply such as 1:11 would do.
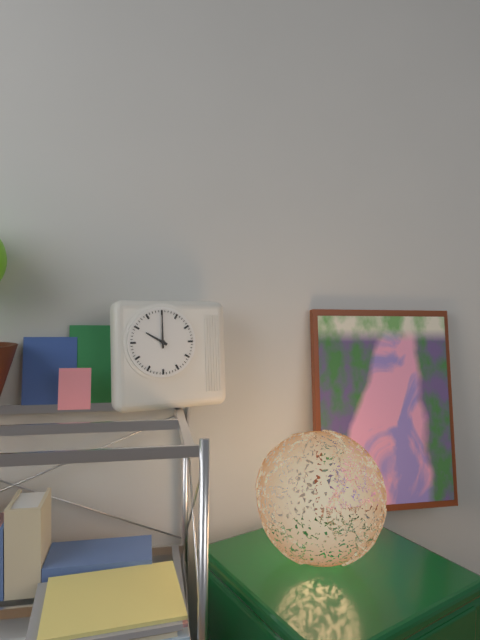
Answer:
10:00
